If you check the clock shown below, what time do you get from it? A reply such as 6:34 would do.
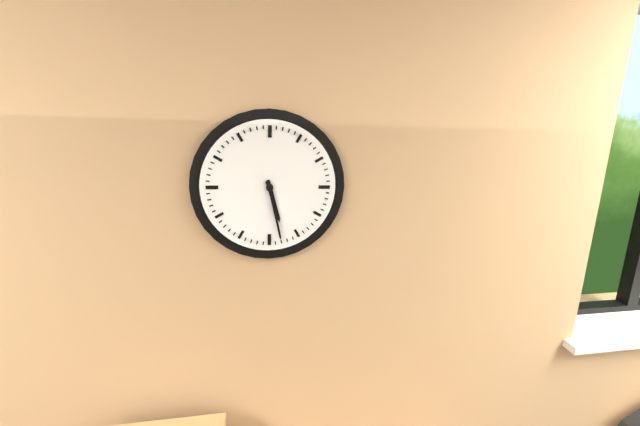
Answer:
5:28
